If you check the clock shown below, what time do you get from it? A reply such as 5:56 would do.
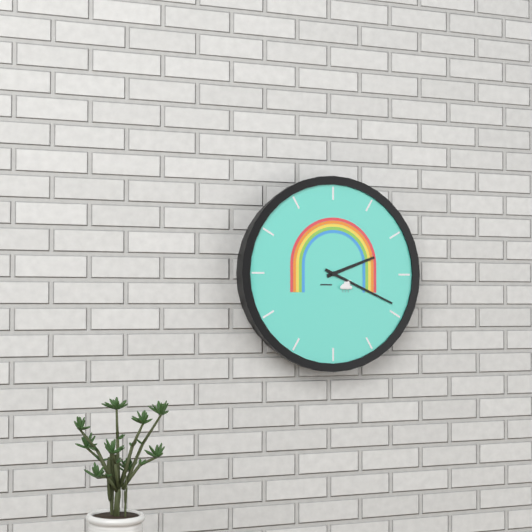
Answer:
2:19
